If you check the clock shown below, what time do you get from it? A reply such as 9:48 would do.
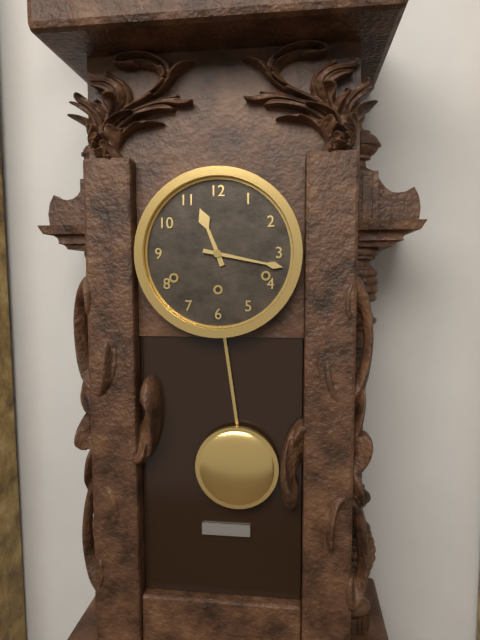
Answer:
11:17
